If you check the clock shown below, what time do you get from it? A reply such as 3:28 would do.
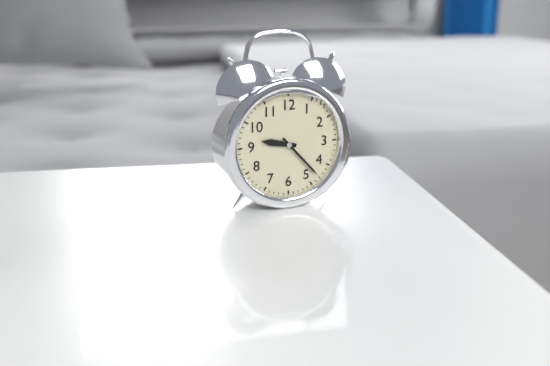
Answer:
9:23
